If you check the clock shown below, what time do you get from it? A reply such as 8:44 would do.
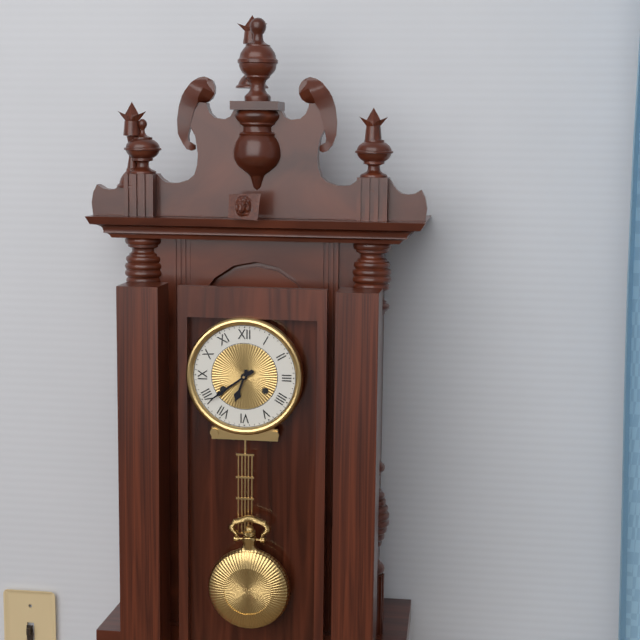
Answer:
6:39
